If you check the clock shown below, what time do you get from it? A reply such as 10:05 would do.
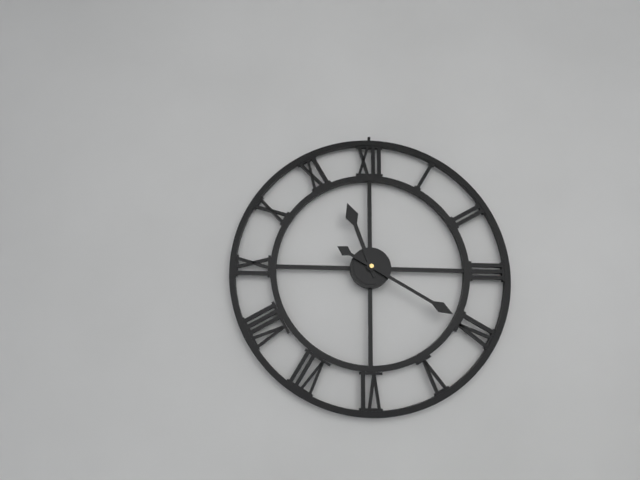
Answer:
11:20
